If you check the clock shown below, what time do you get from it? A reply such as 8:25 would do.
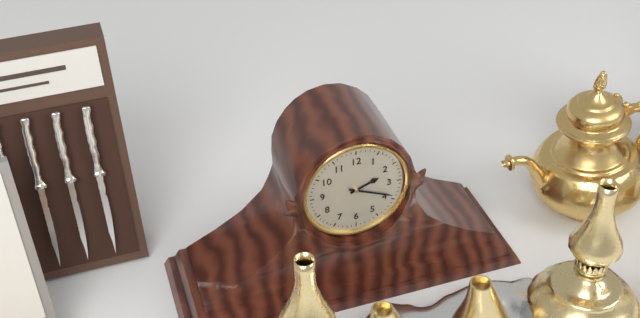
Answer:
2:19
